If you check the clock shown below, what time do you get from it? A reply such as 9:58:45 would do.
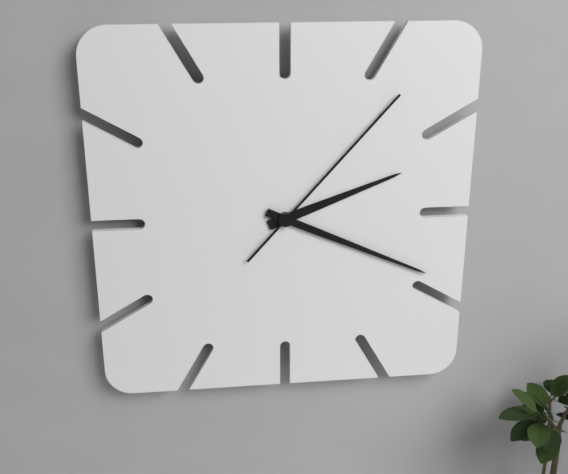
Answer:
2:19:07
